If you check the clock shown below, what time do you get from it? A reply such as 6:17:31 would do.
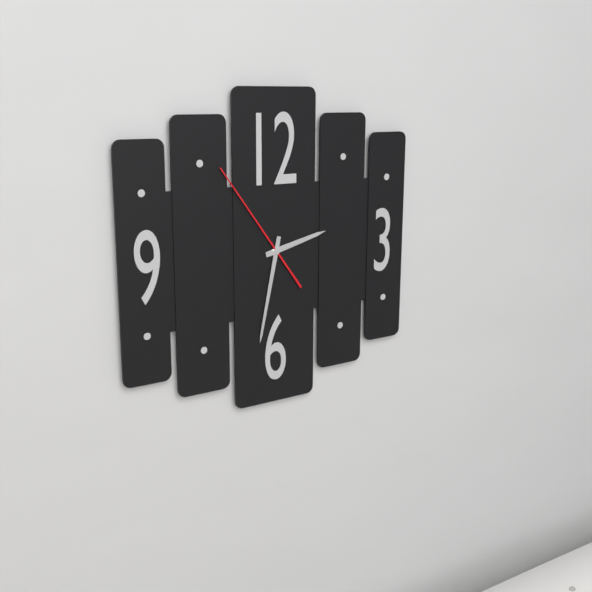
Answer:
2:32:54
